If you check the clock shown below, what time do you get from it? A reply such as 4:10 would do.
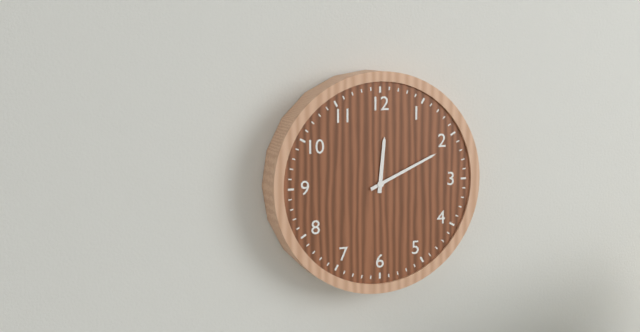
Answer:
12:11
